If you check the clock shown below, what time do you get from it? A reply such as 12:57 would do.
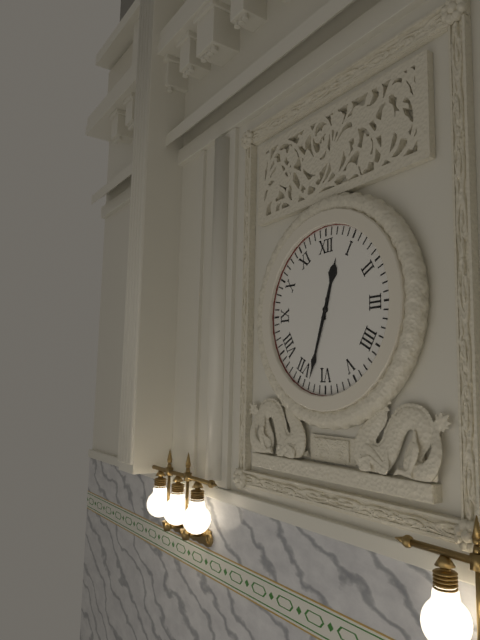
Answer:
12:33
